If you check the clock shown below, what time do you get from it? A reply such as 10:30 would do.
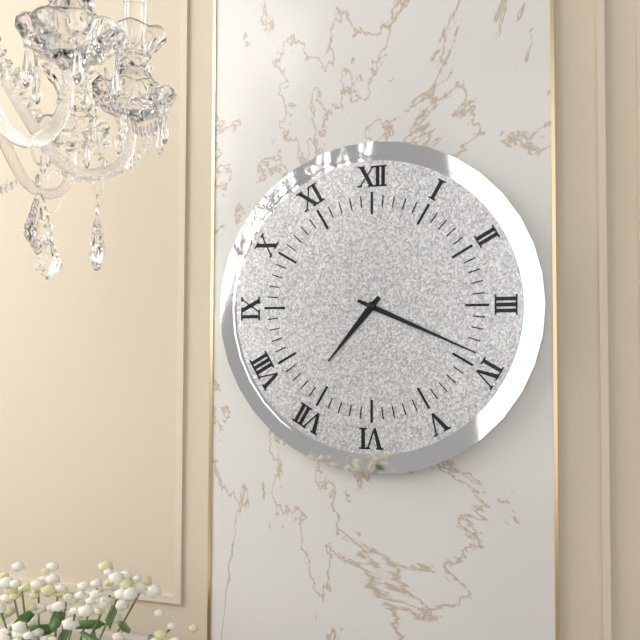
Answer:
7:19
